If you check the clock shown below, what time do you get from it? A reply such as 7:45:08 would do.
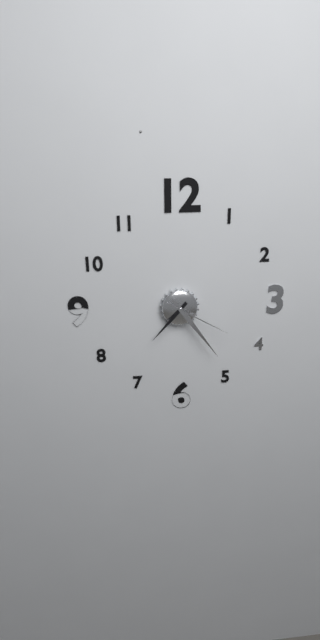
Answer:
7:24:20
